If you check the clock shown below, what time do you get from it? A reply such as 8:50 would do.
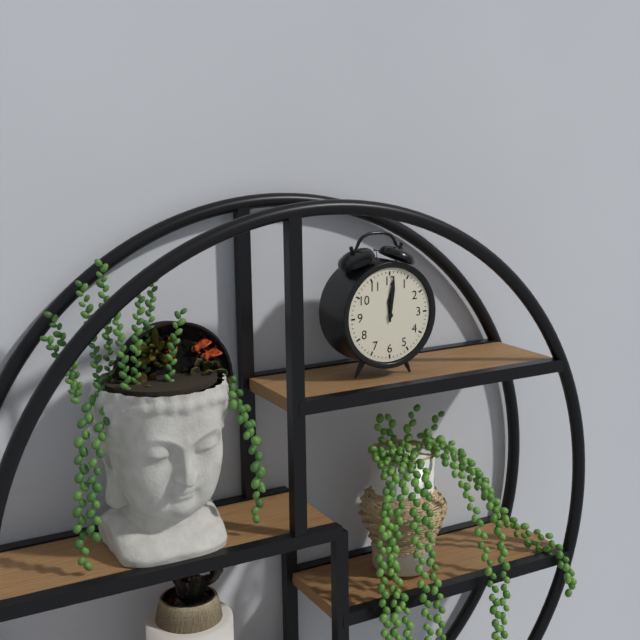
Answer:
12:01
